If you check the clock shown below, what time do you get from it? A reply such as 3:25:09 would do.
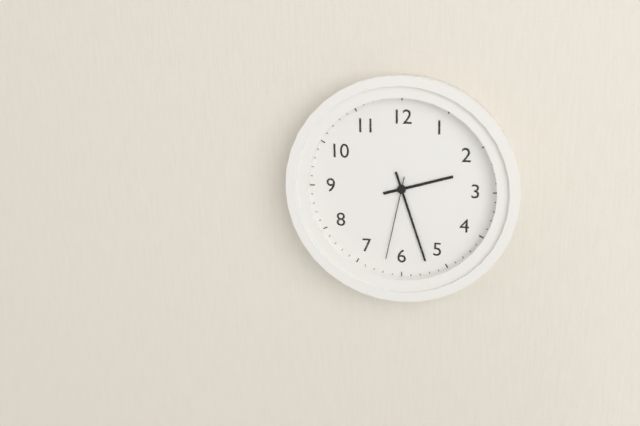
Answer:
2:27:32
